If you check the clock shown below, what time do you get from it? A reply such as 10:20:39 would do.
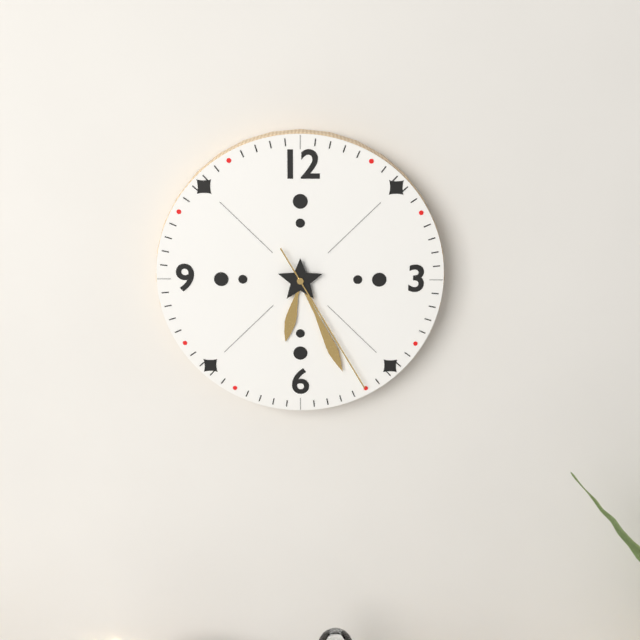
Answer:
6:26:25
